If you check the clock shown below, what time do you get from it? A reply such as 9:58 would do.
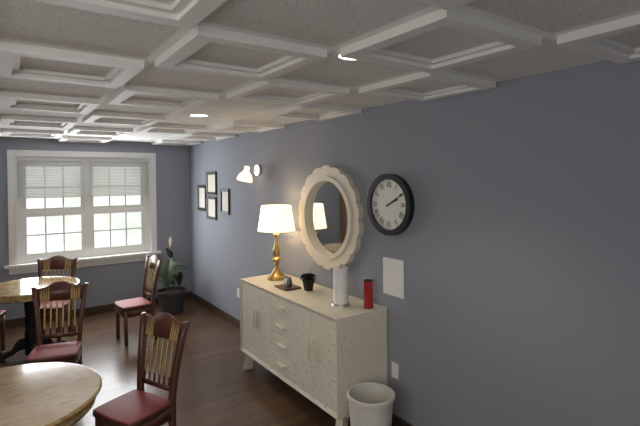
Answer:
2:10
